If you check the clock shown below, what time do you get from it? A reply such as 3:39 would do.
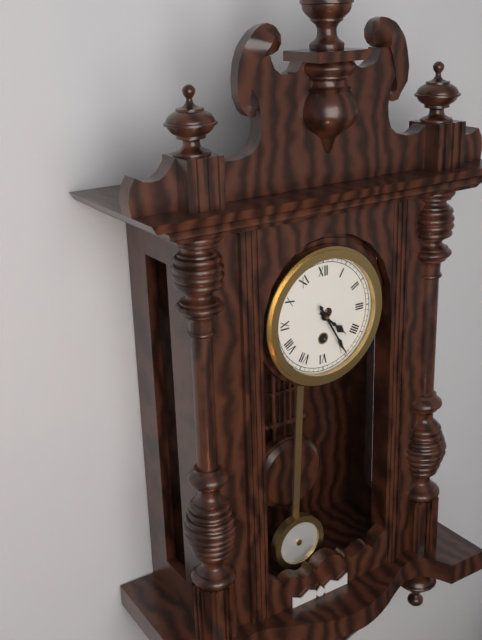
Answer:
4:25
